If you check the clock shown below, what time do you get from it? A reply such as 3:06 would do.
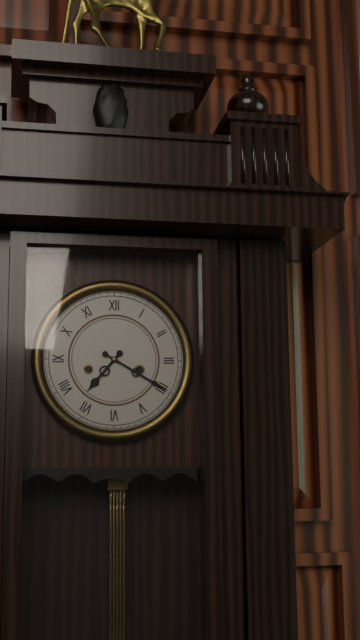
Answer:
7:20
